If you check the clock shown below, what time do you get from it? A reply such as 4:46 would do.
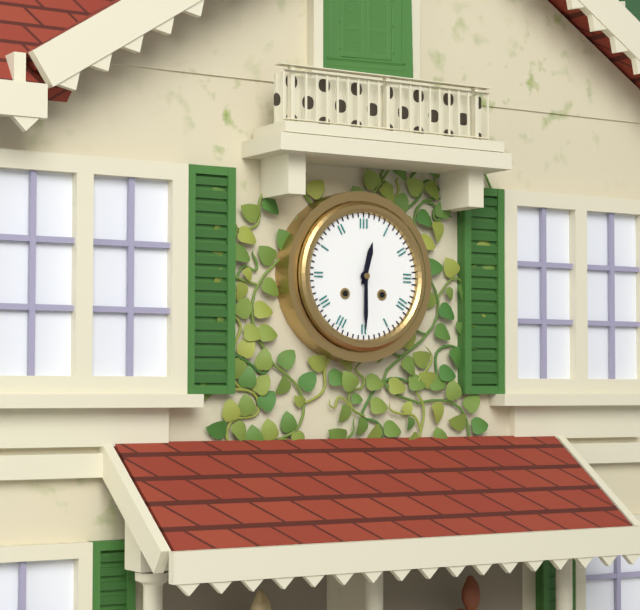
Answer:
12:30
